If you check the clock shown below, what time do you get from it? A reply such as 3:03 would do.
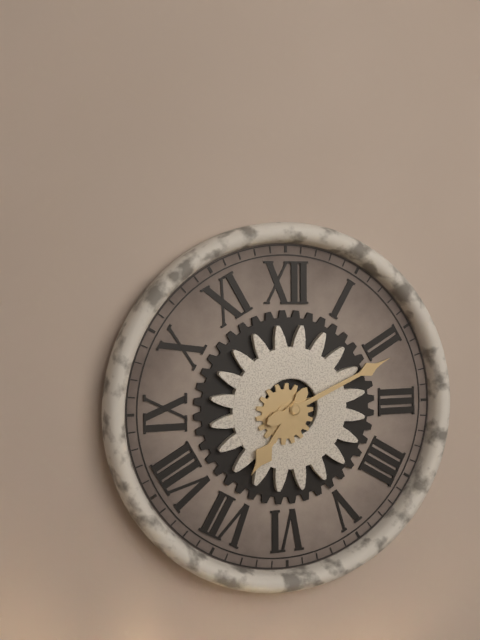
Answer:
7:11
